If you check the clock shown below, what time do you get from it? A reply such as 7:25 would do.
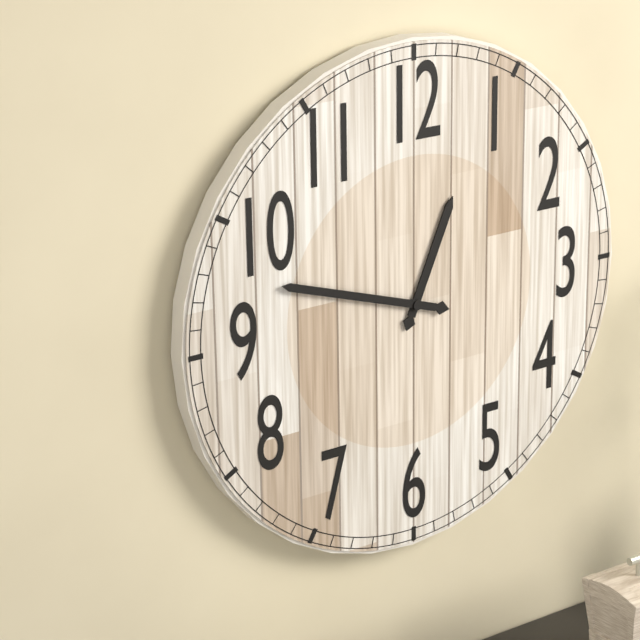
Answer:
12:48
